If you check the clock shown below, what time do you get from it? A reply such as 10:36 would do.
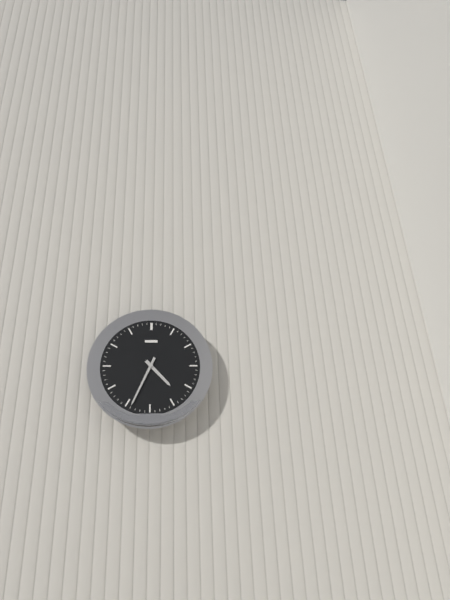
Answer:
4:34
